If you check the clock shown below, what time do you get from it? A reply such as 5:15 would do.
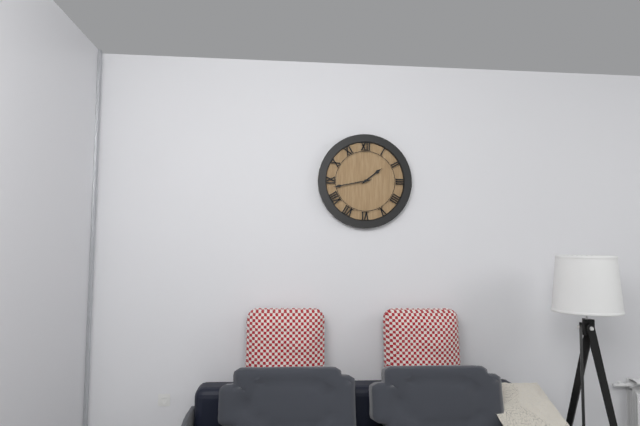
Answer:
1:43
